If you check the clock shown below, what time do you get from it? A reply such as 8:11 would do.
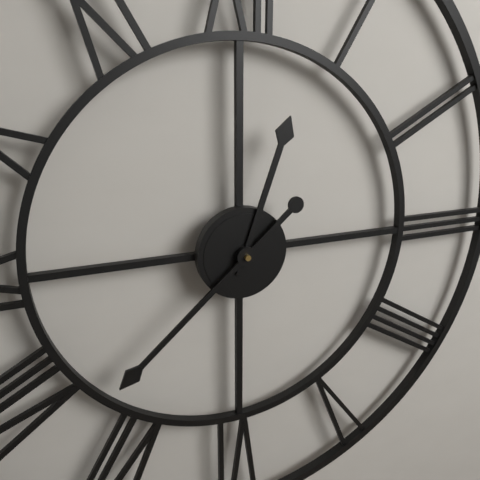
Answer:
12:38
